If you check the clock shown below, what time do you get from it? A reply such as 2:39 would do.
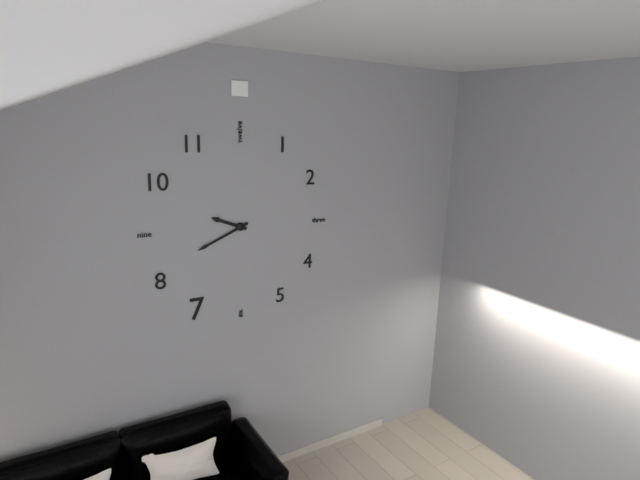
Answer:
9:41
